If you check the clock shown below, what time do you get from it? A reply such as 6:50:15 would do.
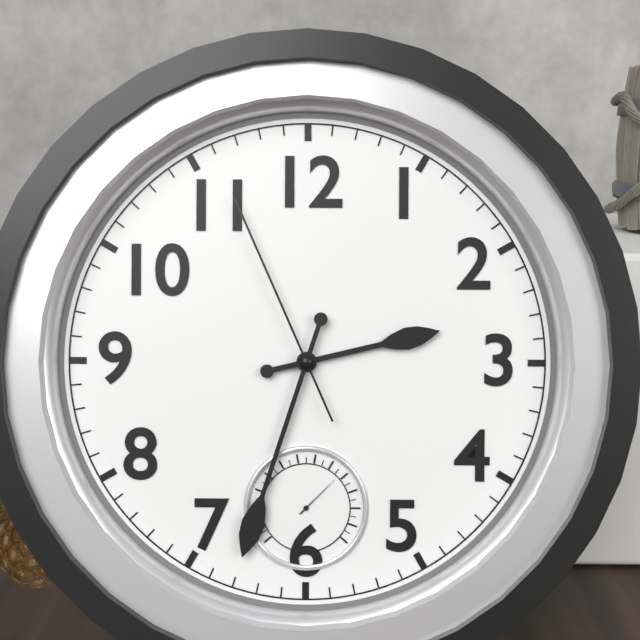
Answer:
2:33:56
